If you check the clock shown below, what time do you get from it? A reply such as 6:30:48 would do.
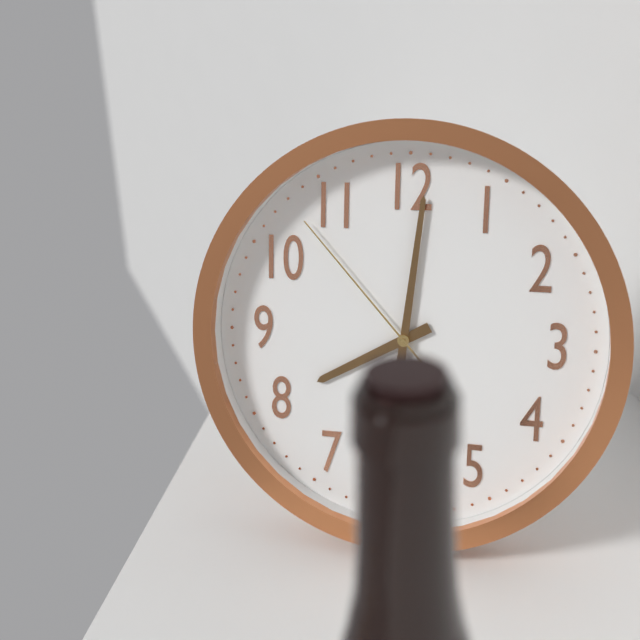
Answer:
8:01:53
